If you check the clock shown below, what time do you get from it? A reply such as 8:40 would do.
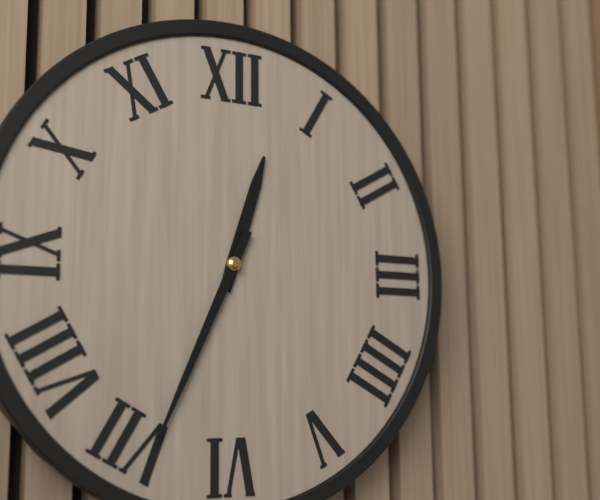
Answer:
12:34
